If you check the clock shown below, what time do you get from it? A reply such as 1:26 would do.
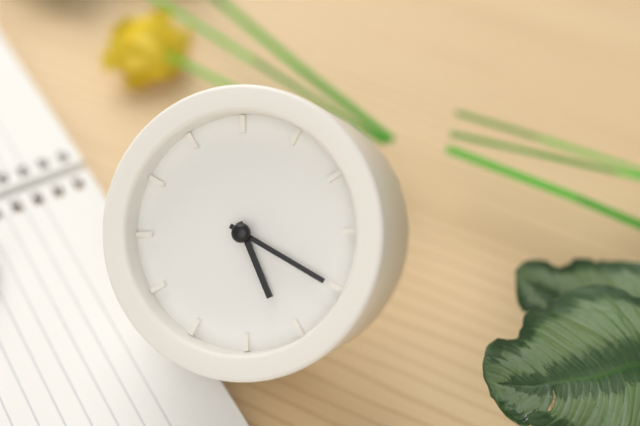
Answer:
4:15
